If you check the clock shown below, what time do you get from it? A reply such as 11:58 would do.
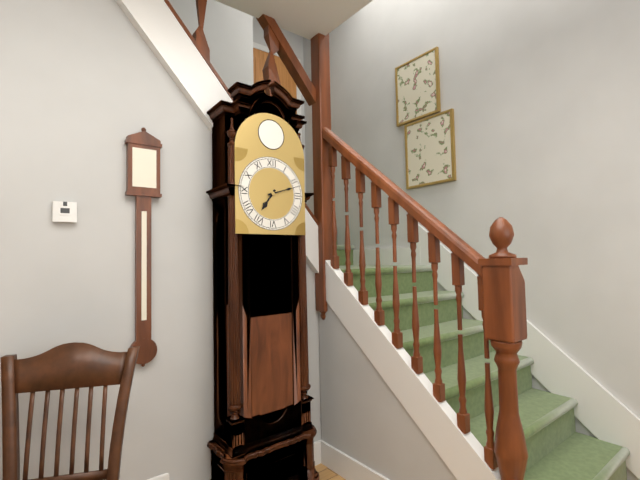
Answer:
7:12
